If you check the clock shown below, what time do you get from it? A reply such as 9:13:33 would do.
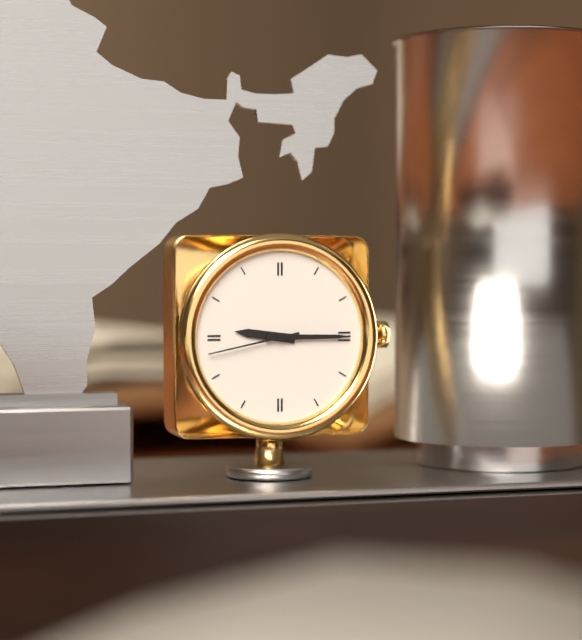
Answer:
9:15:43
